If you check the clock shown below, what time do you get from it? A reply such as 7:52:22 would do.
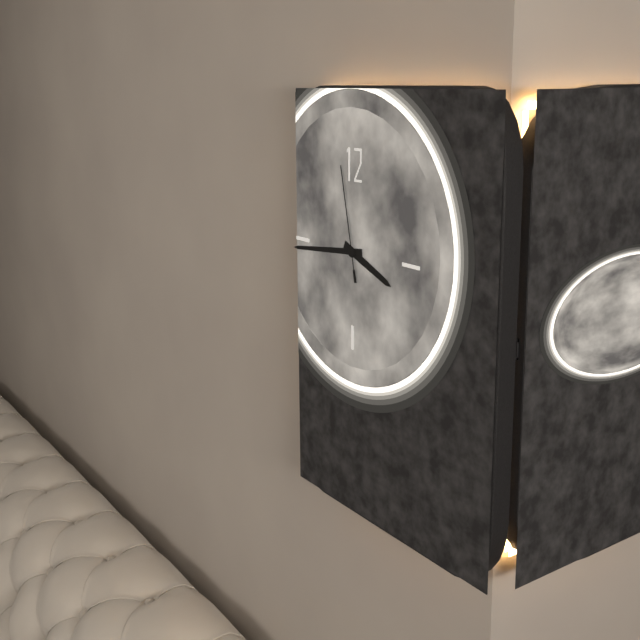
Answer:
3:44:58
